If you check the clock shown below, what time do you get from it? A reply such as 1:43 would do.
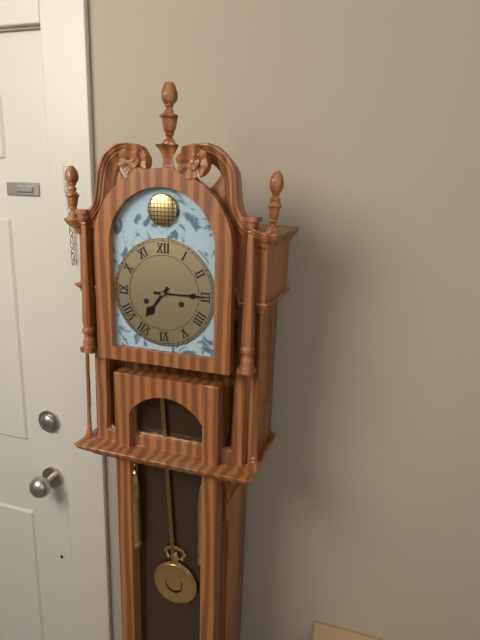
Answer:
7:15
